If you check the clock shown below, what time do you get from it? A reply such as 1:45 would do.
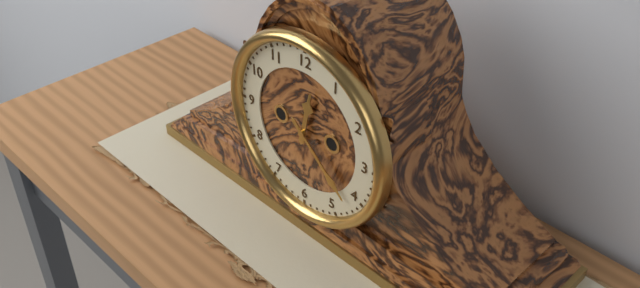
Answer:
12:22
